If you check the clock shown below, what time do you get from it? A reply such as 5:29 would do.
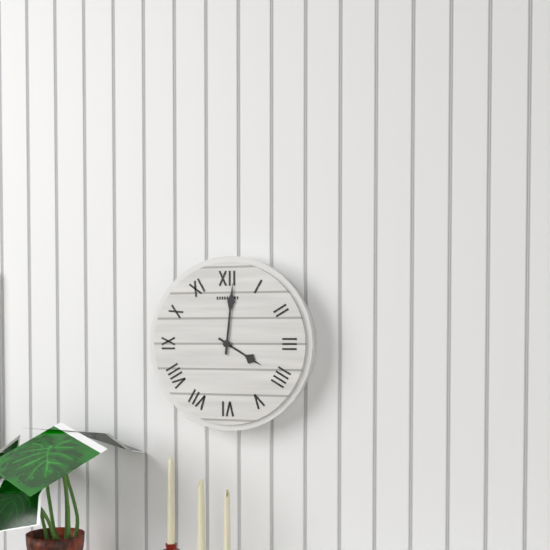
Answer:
4:01
